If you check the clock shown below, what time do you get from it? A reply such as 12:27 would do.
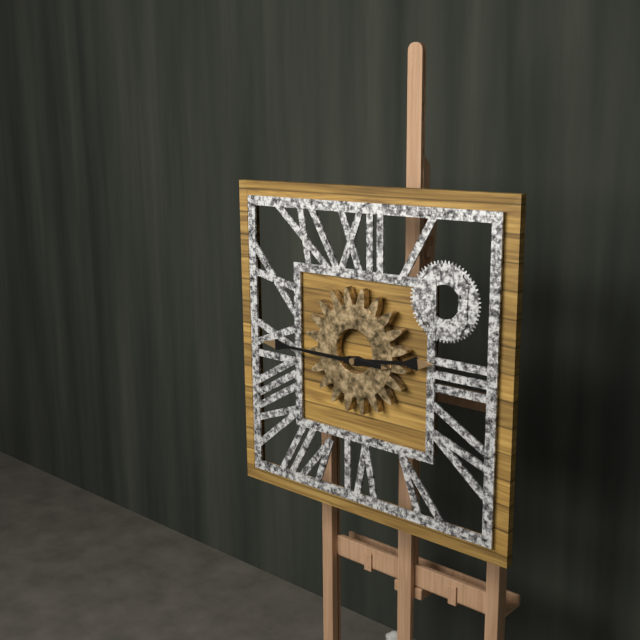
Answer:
2:45
